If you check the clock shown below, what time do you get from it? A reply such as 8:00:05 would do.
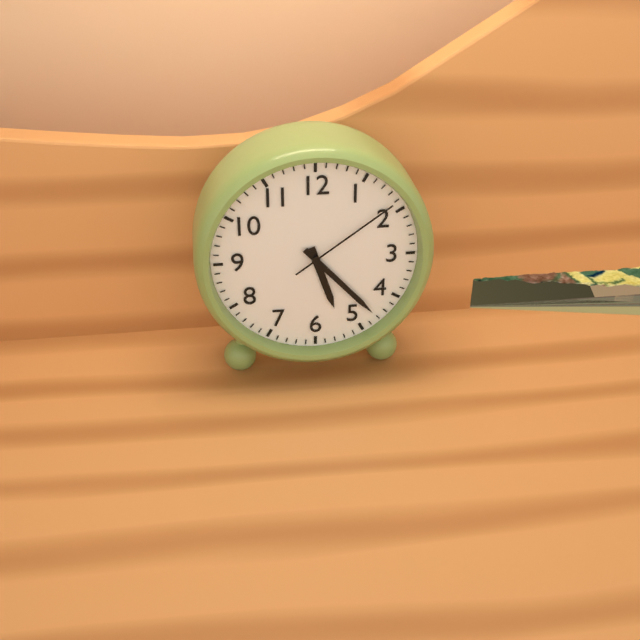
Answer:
5:23:09
